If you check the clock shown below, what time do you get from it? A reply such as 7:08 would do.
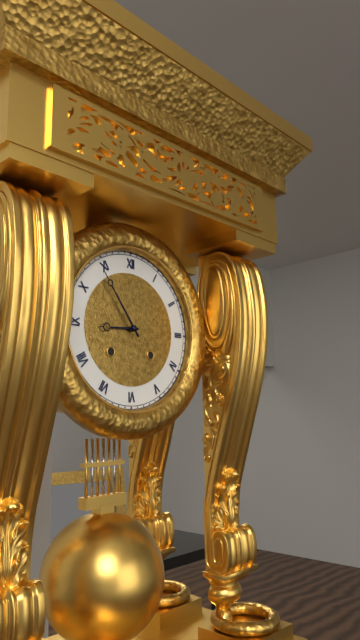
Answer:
8:54
